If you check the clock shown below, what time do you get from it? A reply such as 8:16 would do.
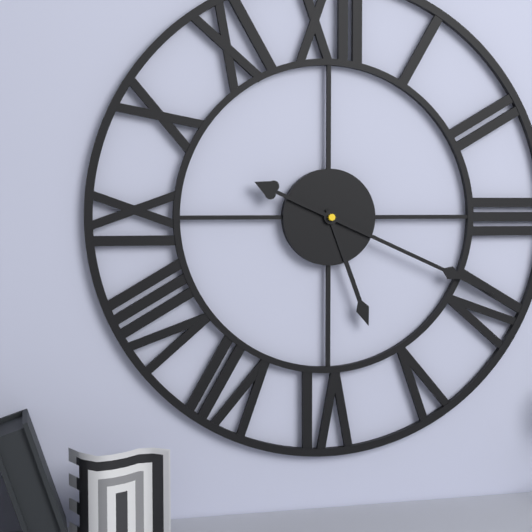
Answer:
5:19
